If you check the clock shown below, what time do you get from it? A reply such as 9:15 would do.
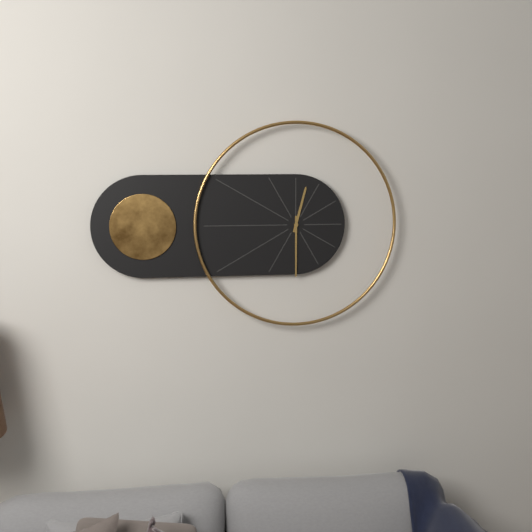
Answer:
12:30
